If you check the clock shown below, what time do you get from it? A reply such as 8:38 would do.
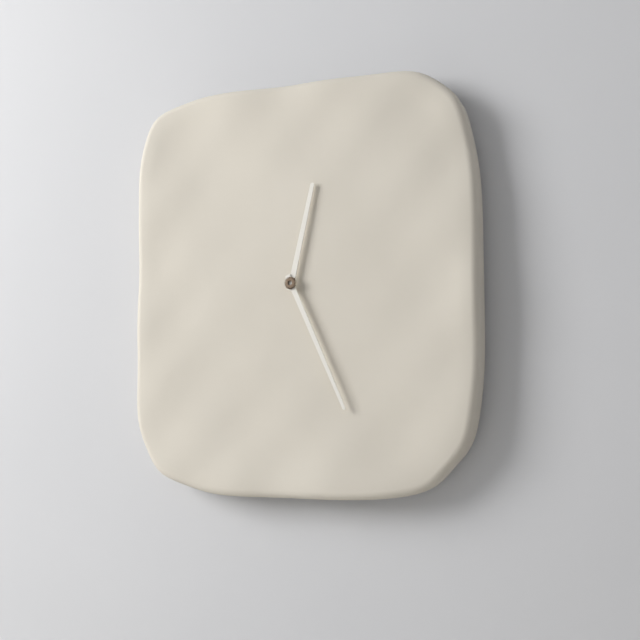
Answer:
12:26
